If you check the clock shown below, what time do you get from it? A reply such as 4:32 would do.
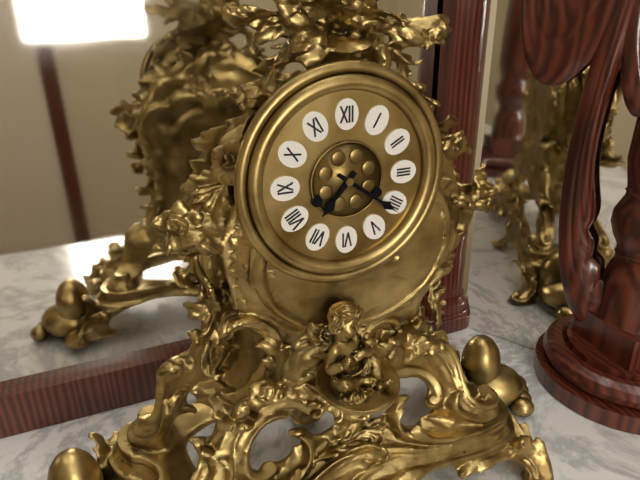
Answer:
7:21
